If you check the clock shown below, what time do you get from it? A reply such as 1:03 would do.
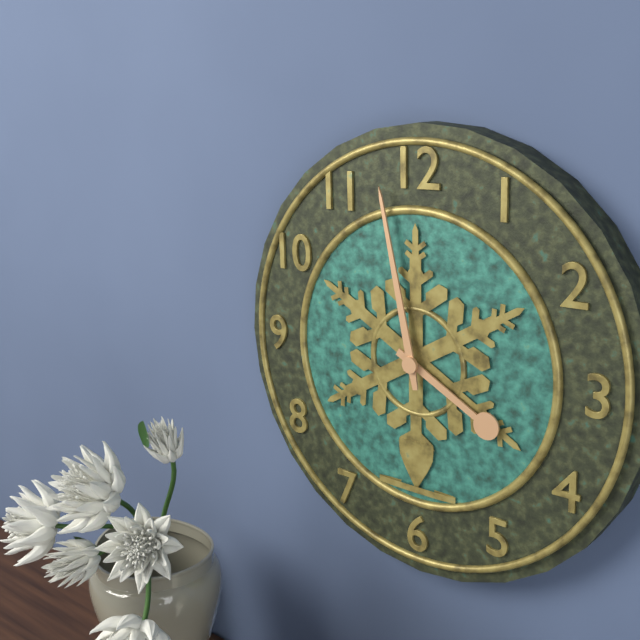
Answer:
3:58
